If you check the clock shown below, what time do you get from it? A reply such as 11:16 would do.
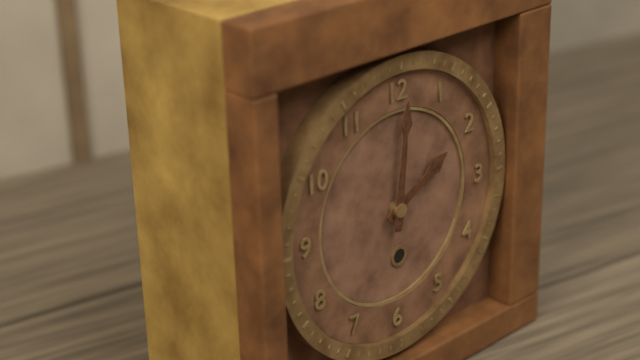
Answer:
2:01
